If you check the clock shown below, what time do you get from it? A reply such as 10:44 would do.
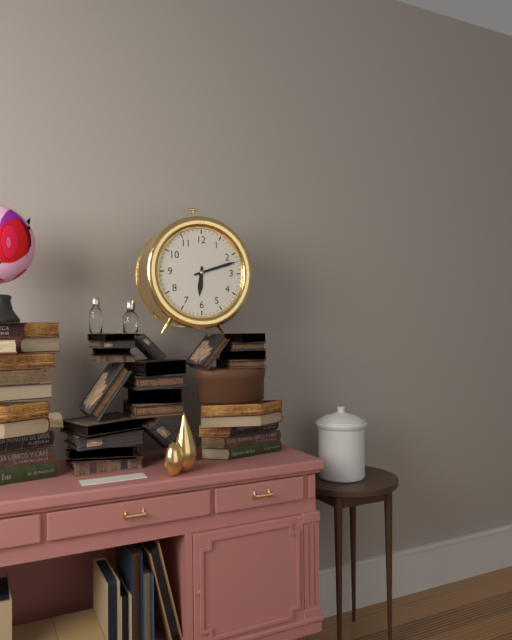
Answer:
6:12
